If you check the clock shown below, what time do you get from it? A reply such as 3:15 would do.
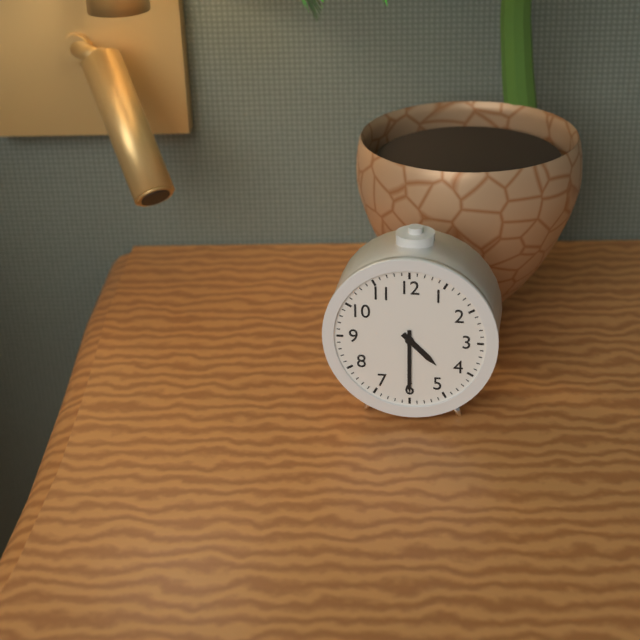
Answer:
4:30
